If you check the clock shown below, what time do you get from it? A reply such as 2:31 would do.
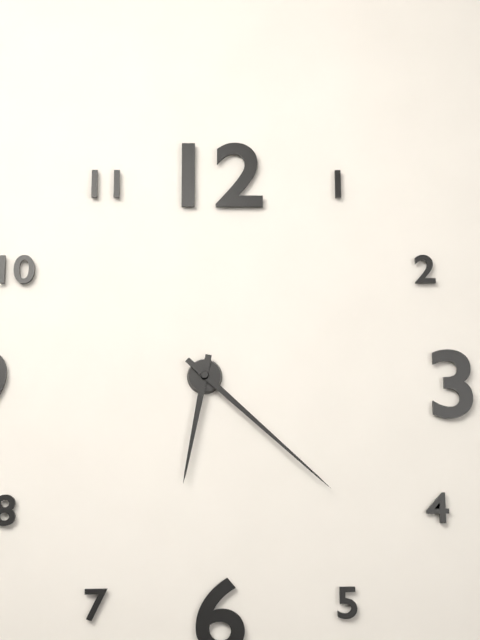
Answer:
6:22
